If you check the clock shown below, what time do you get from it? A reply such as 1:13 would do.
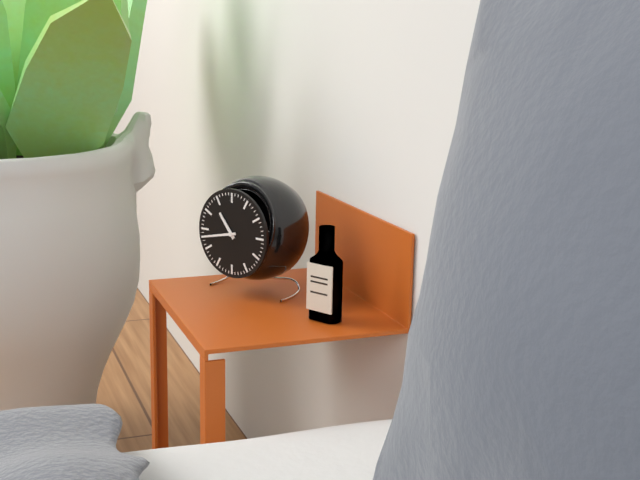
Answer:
10:43
